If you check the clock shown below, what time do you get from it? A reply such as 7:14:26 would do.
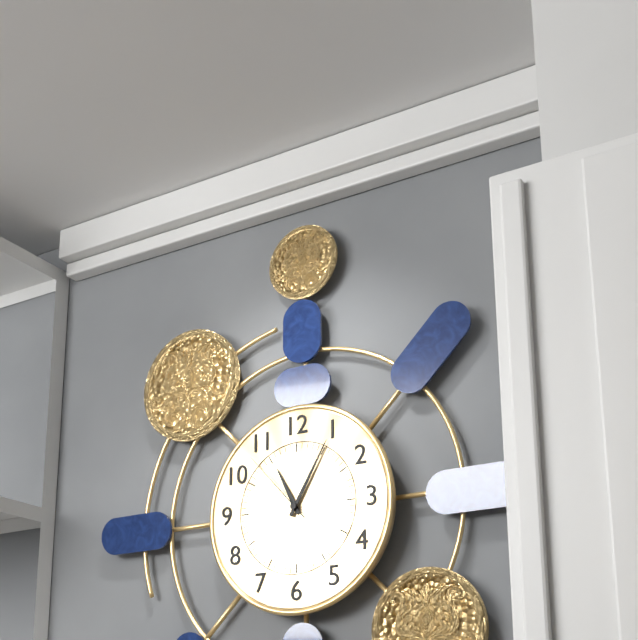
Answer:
11:05:53
